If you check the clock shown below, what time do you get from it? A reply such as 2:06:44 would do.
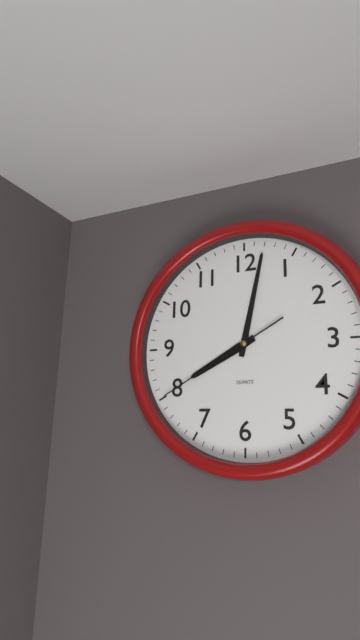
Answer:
8:02:40
